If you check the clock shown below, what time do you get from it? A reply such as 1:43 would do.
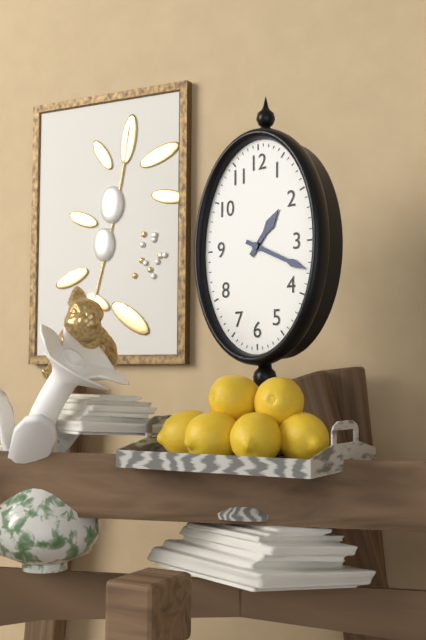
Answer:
1:19
